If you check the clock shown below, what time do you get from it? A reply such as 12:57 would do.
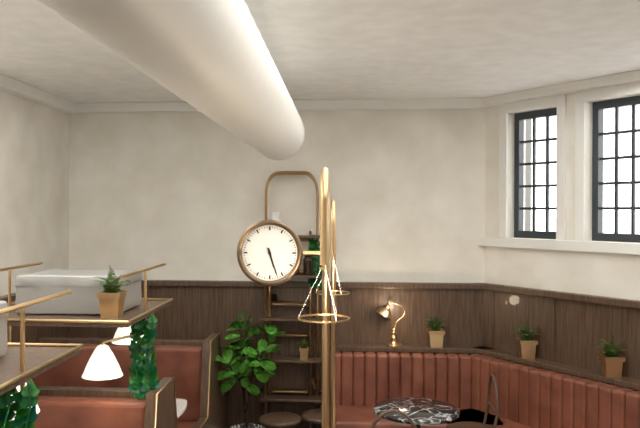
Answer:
5:27
